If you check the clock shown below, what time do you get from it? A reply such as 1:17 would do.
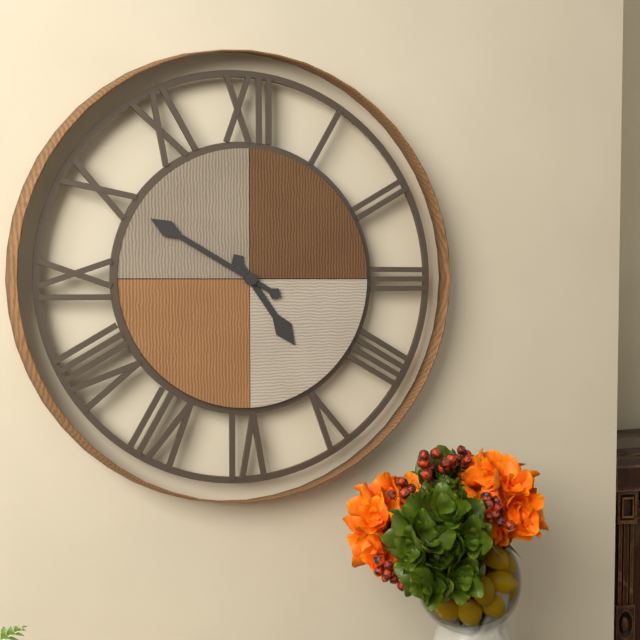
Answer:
4:50
